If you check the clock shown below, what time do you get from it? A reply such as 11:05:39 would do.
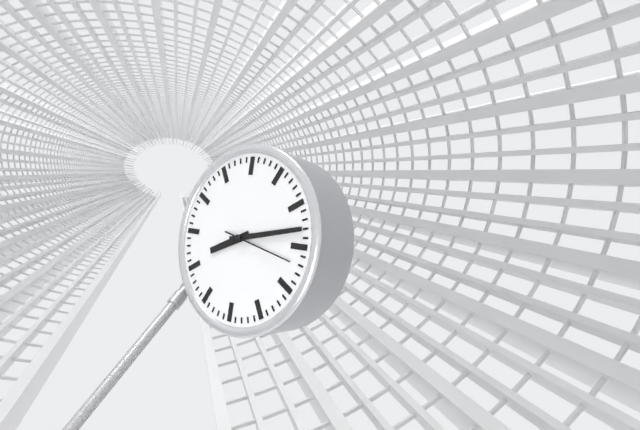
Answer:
8:13:17
